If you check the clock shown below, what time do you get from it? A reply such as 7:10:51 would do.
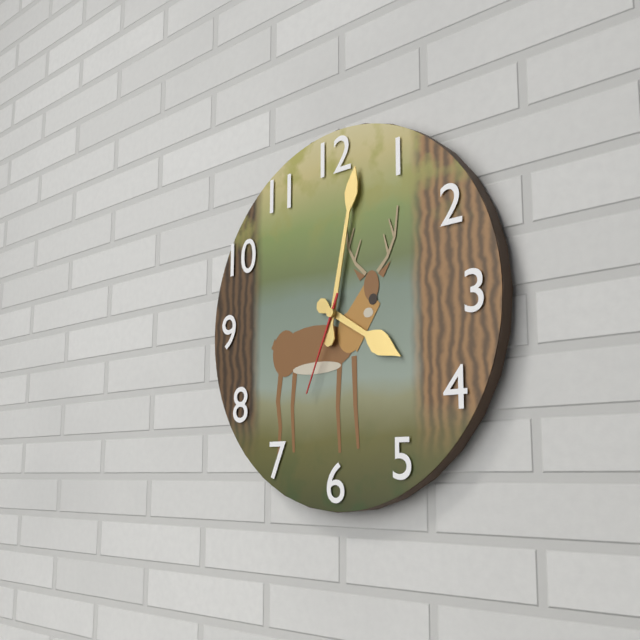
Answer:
4:02:34
